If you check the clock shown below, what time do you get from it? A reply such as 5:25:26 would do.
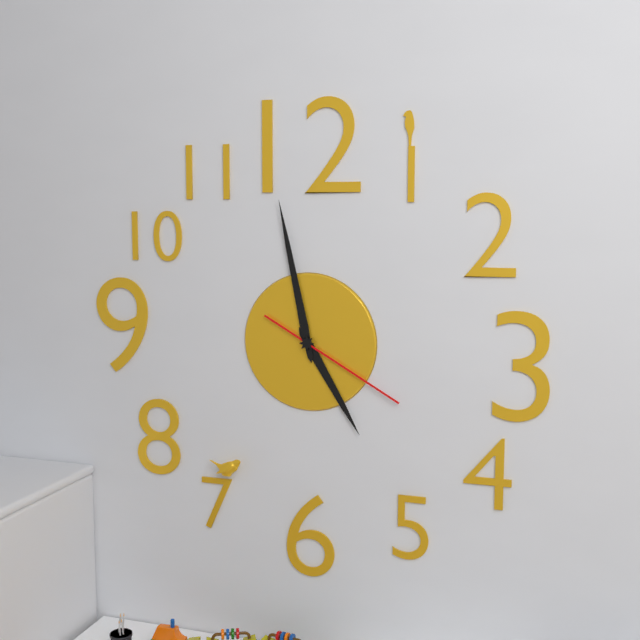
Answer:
4:58:20
